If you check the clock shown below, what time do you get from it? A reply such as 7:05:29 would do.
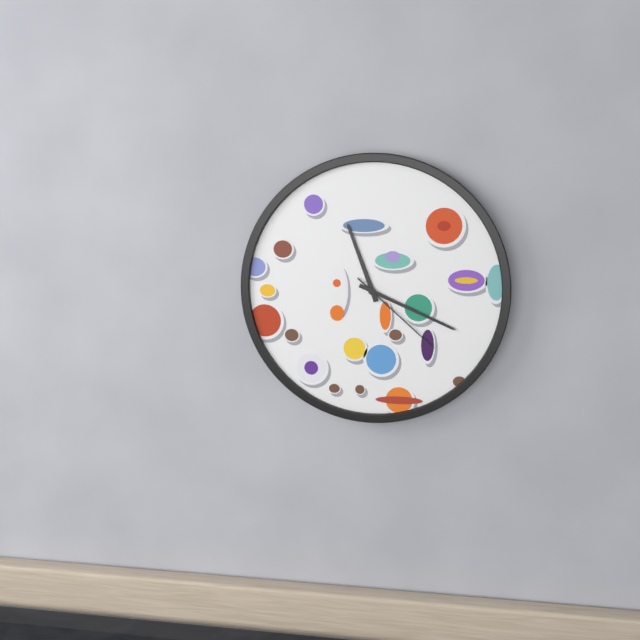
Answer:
11:19:22
